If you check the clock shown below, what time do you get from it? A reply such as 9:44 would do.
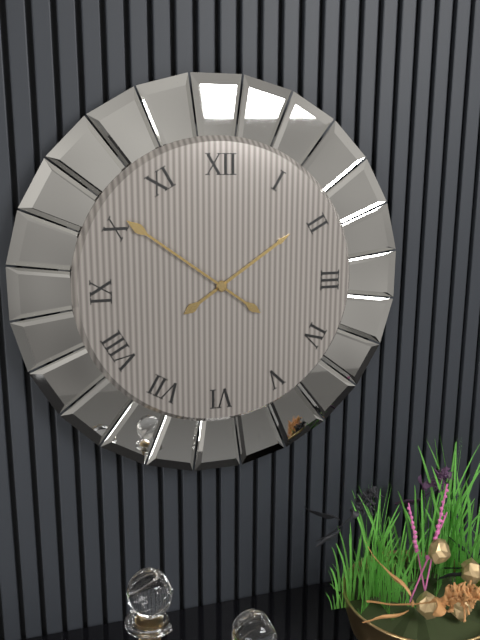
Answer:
1:51
